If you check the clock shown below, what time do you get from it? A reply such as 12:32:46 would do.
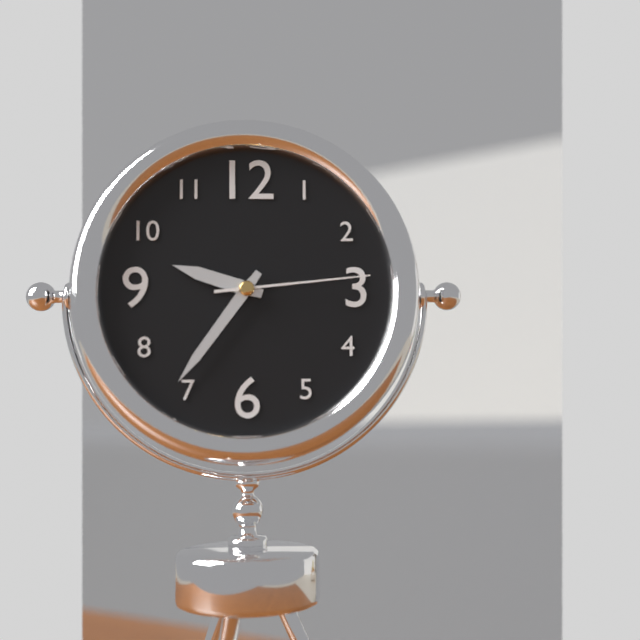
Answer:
9:36:14
